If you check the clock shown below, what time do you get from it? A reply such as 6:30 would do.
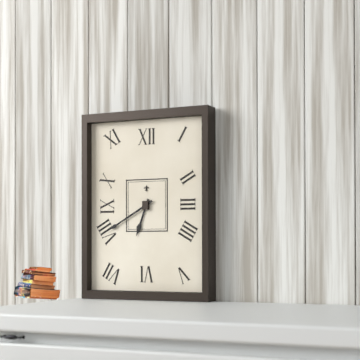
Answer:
6:40
